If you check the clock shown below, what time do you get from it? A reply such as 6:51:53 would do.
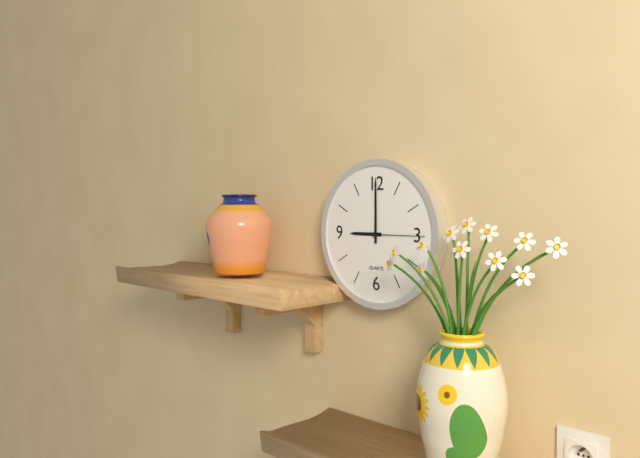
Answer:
9:00:15
